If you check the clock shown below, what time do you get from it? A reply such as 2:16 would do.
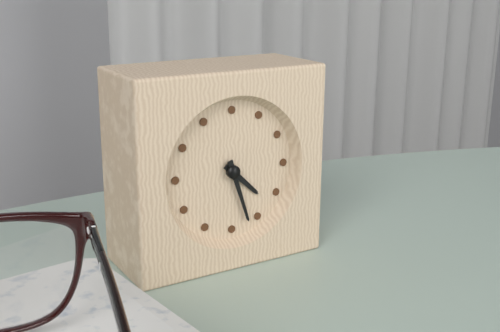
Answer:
4:27
